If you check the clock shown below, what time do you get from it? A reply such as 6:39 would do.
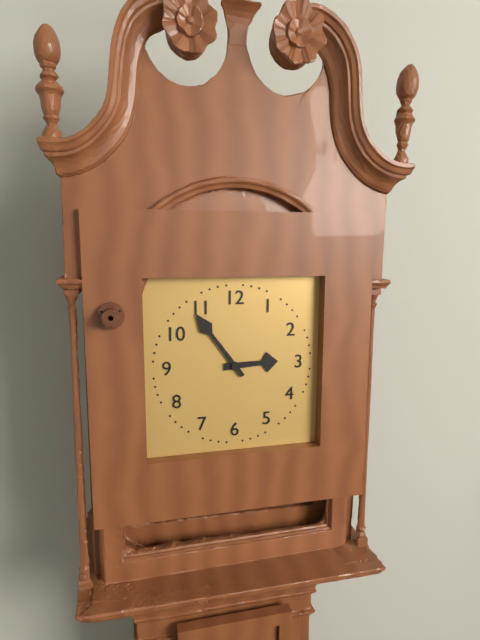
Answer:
2:54
